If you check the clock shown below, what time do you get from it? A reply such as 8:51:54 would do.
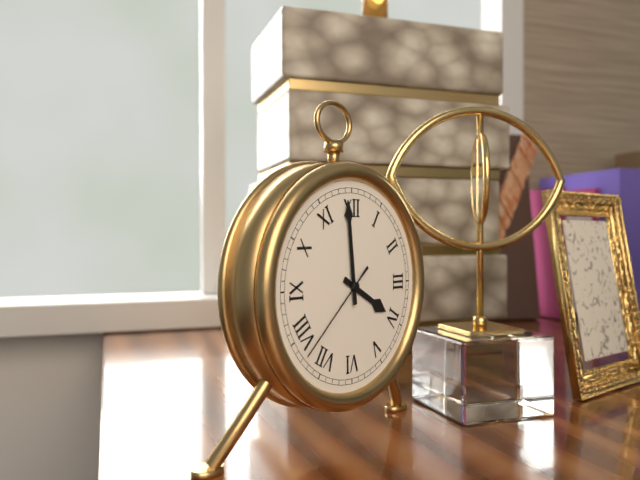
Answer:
3:59:38
